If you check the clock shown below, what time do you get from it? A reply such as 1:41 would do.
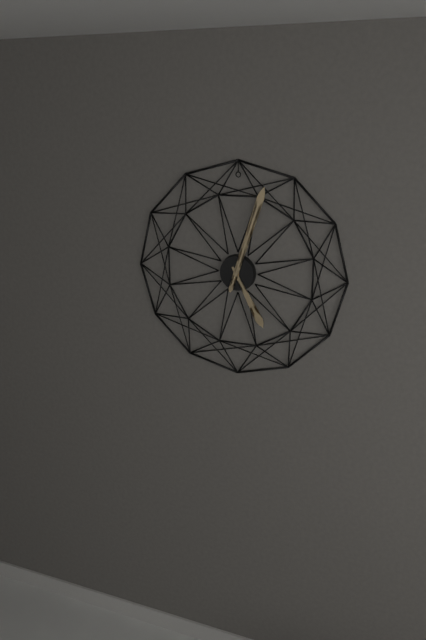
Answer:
5:03
